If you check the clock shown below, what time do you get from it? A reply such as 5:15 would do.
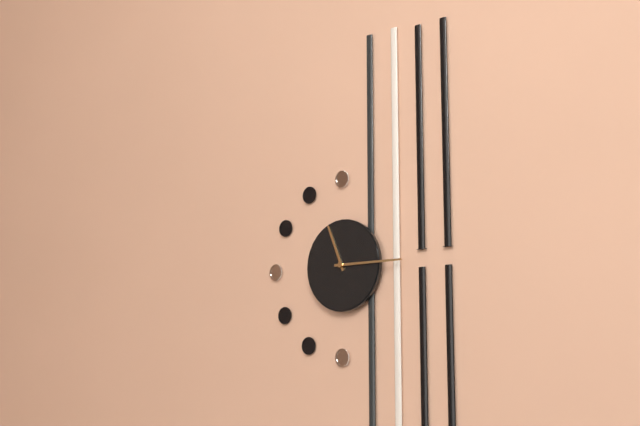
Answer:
11:15
